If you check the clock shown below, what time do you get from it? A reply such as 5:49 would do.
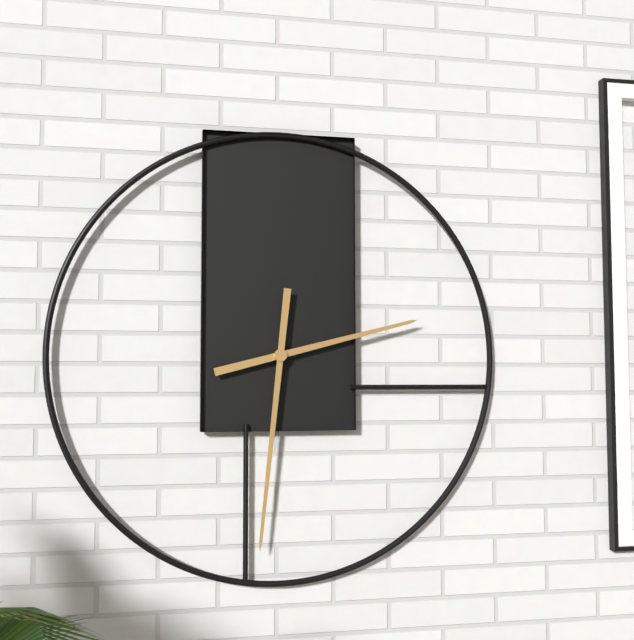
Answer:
2:31
